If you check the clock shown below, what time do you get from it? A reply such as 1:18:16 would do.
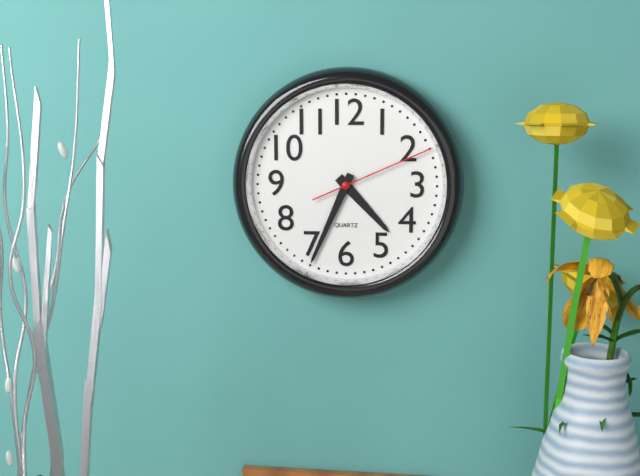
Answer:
4:34:11
